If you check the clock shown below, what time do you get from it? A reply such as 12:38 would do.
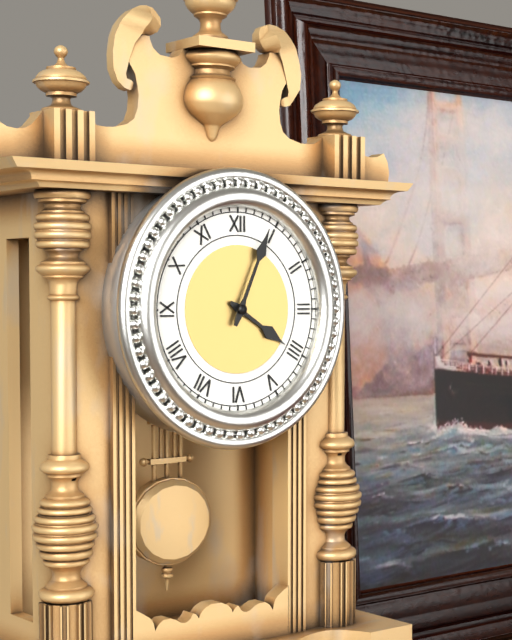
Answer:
4:04
